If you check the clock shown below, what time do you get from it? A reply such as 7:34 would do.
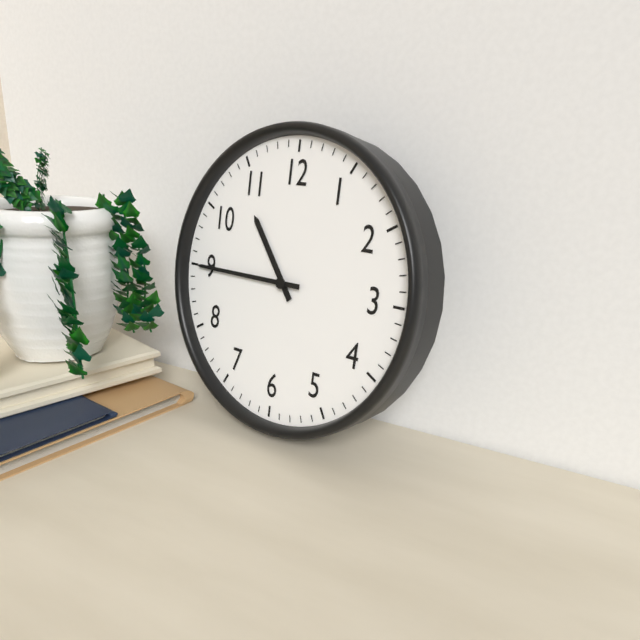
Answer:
10:45
